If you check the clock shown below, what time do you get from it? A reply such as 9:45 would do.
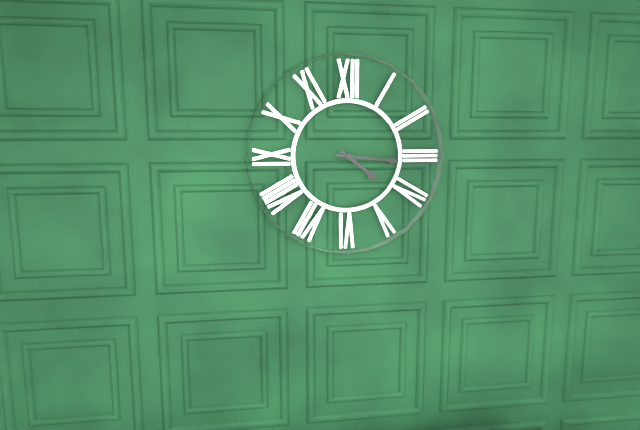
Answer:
4:16
